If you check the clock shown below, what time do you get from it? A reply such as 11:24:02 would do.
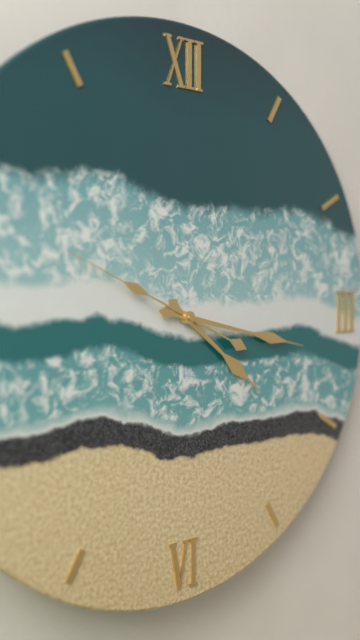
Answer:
4:17:49
